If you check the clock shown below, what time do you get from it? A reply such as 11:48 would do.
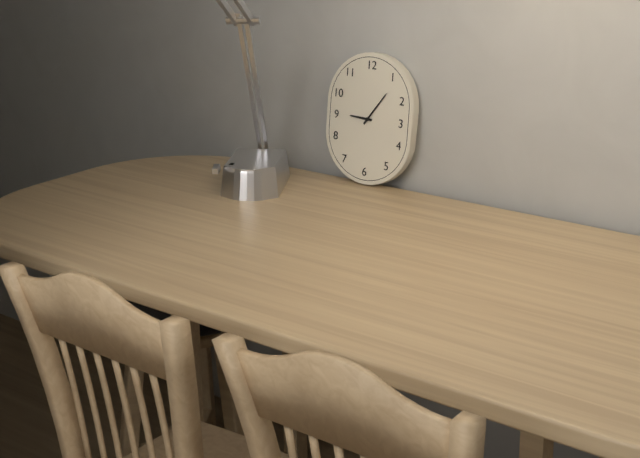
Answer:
9:06
